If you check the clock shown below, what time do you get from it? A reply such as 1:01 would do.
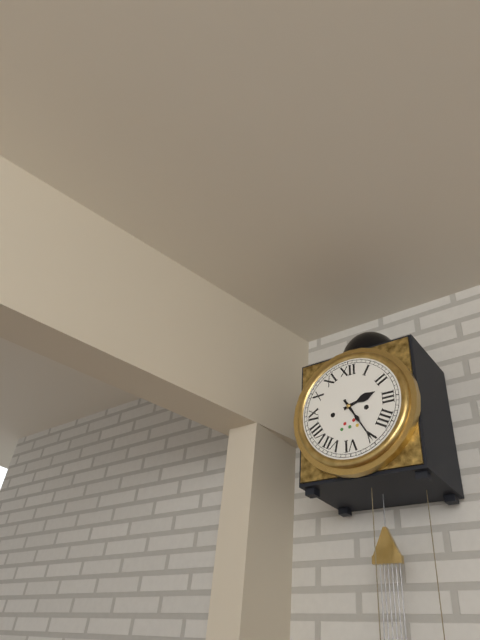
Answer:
2:25
